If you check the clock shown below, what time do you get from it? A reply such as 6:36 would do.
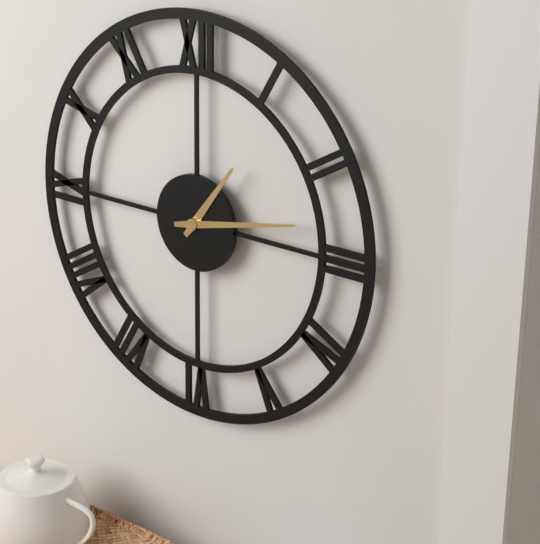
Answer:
1:13
